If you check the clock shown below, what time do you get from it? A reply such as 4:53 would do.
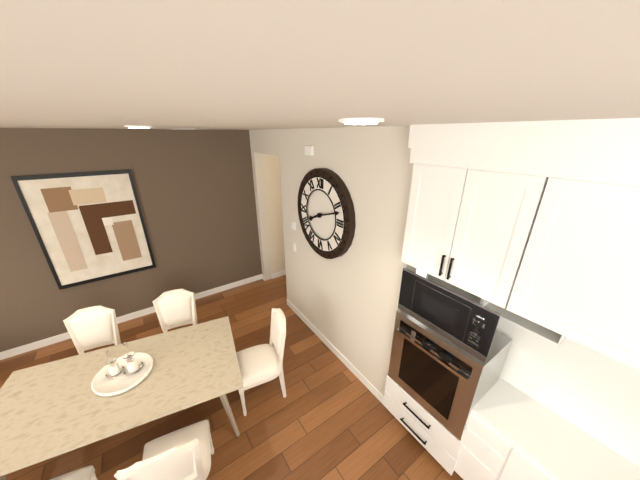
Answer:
8:12
